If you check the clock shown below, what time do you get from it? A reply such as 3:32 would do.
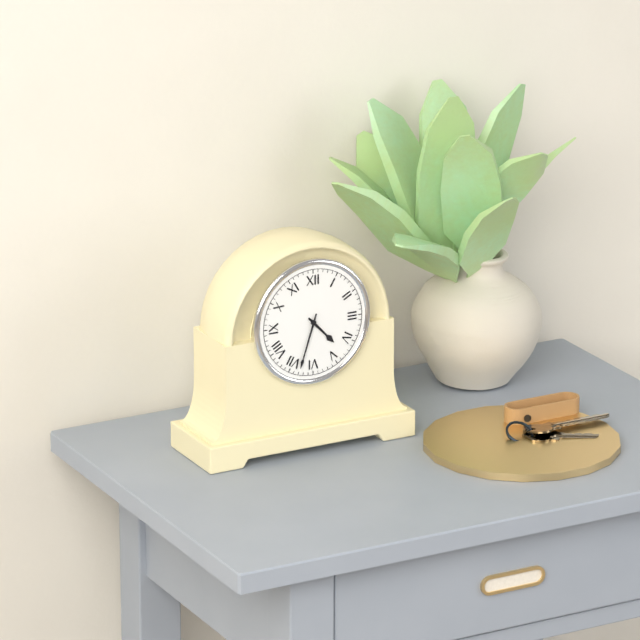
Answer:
4:33
